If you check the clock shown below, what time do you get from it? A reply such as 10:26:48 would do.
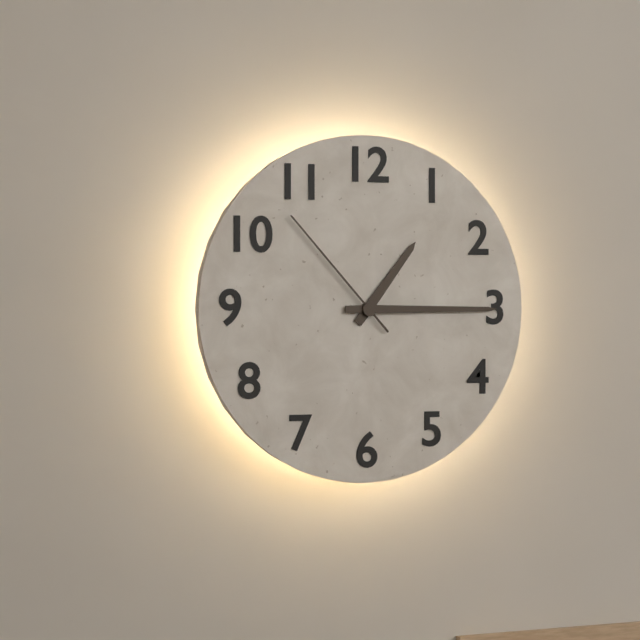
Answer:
1:15:53
